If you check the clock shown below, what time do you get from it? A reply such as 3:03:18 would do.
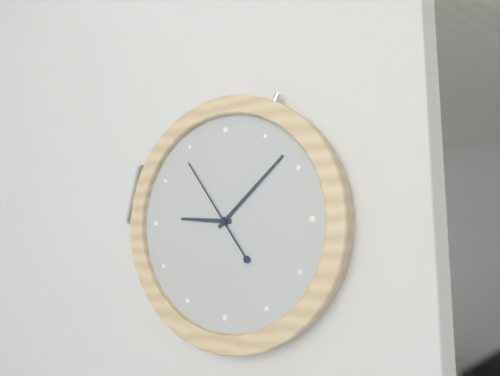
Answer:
9:08:54
